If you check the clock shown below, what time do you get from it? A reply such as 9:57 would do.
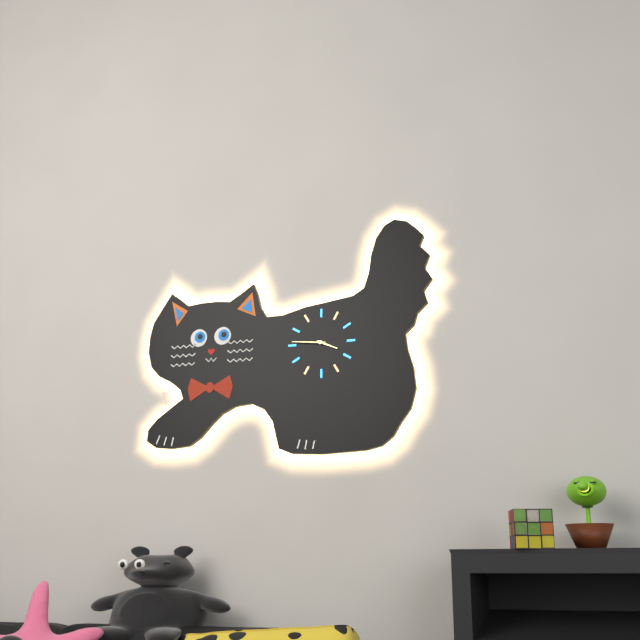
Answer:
3:46
